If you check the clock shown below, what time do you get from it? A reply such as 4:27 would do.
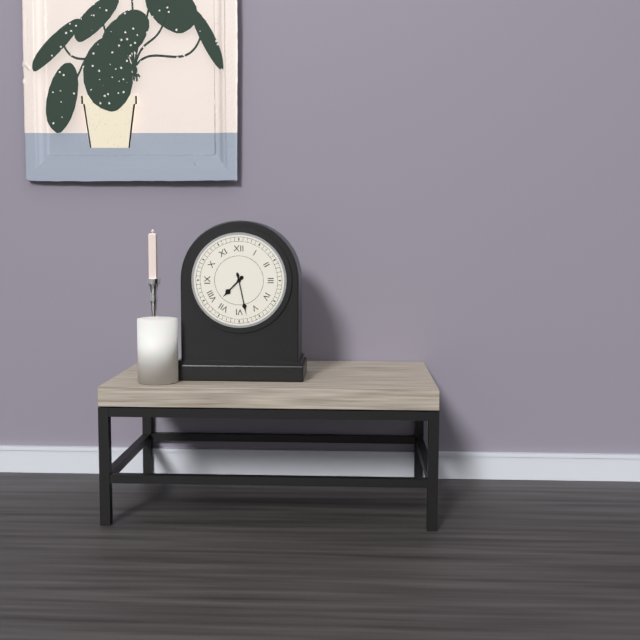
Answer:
7:28
